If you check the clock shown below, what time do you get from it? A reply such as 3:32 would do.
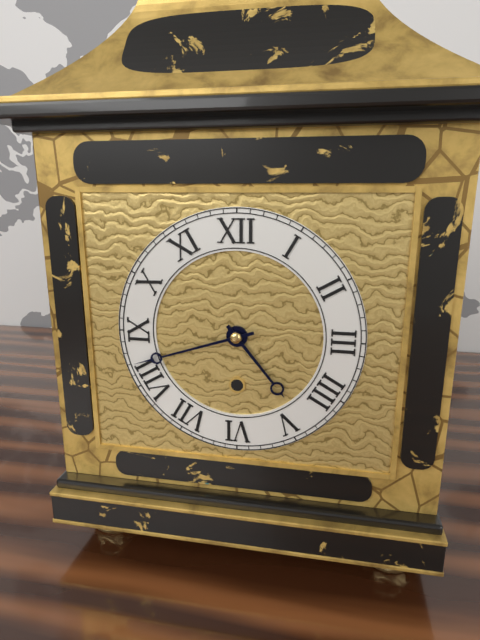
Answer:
4:42
